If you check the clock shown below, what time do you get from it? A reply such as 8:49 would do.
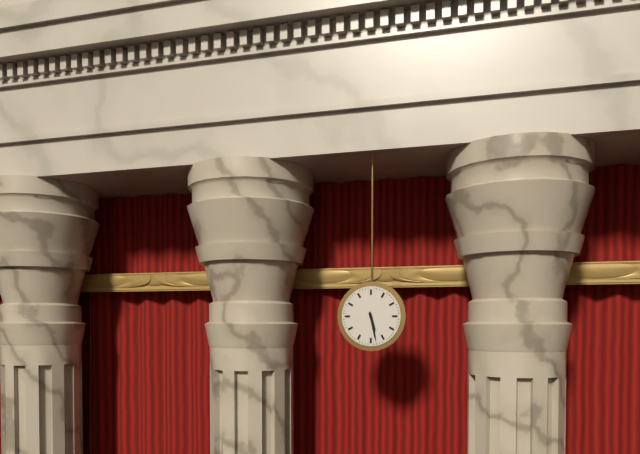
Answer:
5:28
